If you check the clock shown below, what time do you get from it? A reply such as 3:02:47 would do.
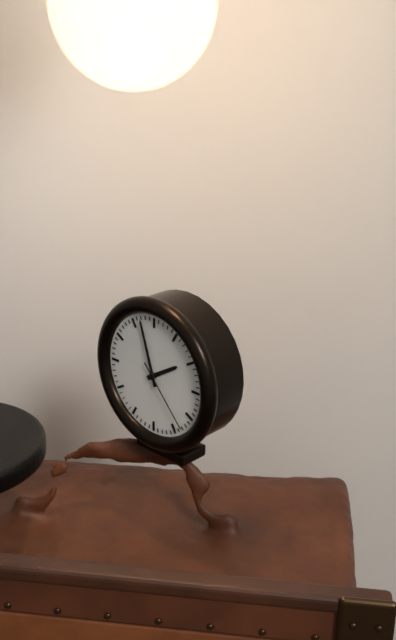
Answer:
1:57:23
